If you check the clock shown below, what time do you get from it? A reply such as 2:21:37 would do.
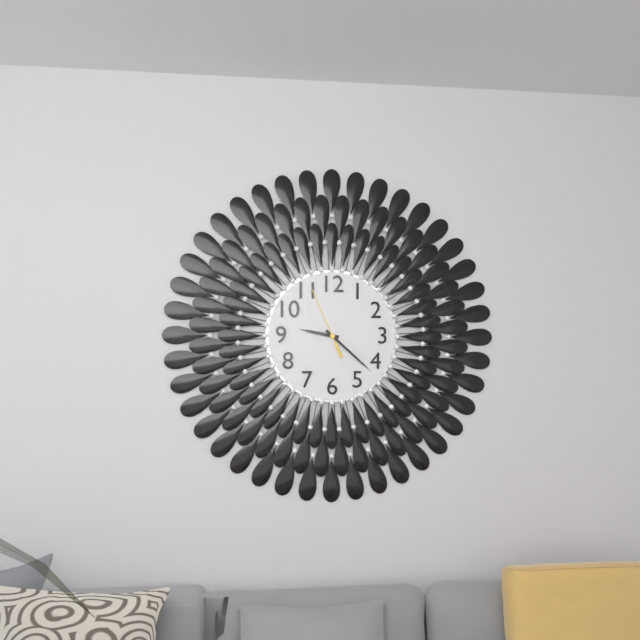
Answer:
9:22:56
